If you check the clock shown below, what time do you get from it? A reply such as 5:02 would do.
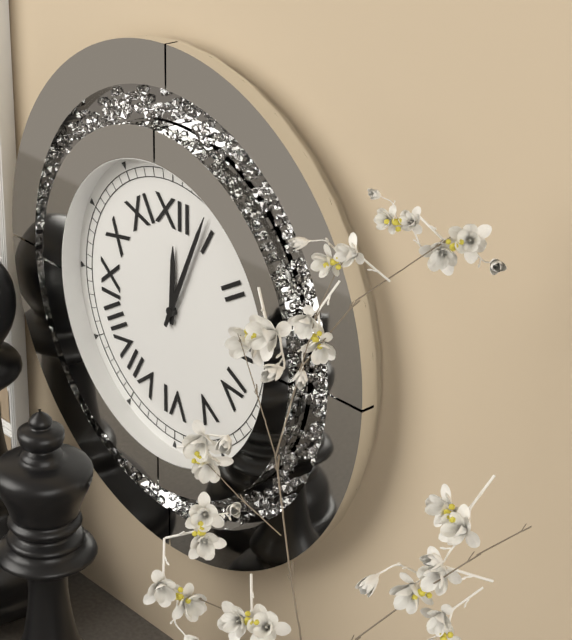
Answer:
12:04
